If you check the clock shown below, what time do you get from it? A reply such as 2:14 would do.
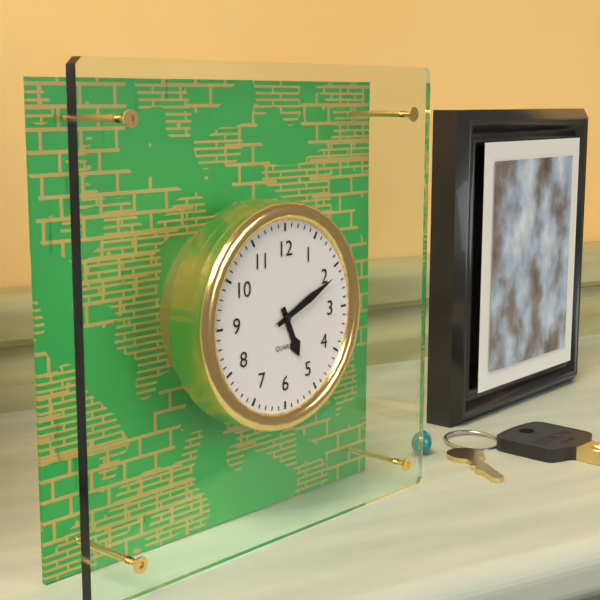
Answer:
5:11
